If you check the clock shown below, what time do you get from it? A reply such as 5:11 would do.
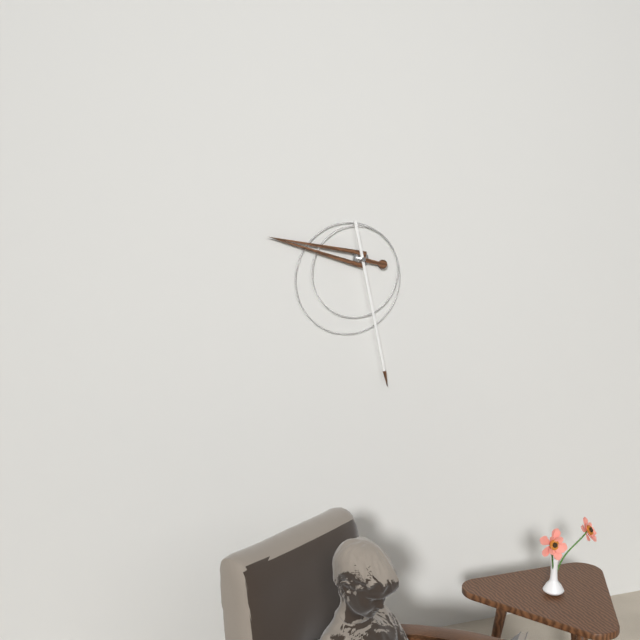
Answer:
9:28
